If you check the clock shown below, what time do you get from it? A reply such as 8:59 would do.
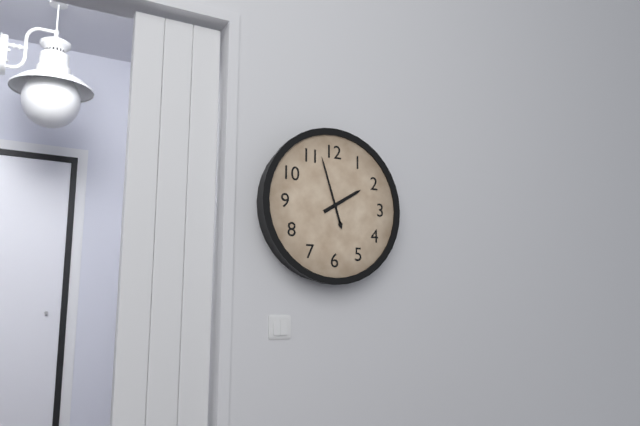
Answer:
1:57
